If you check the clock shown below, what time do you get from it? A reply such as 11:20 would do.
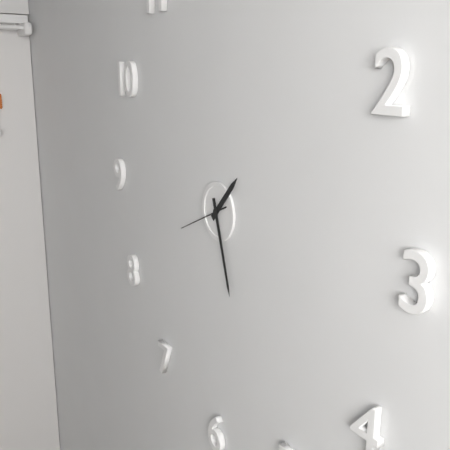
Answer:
1:27
